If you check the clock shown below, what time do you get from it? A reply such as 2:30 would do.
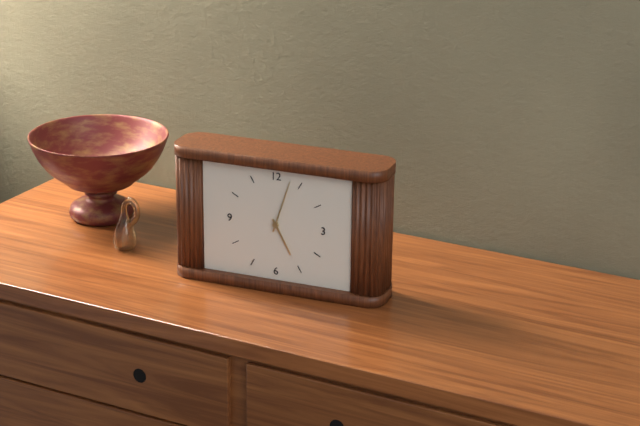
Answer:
5:03
